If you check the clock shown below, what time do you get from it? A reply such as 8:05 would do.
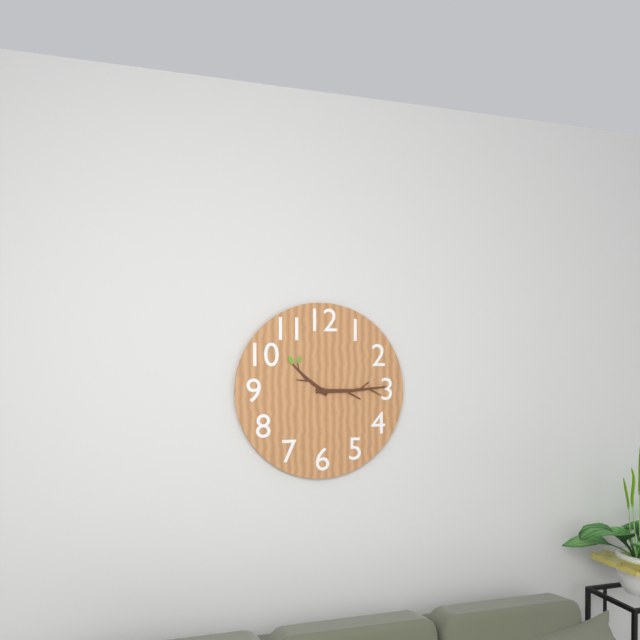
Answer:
10:15
